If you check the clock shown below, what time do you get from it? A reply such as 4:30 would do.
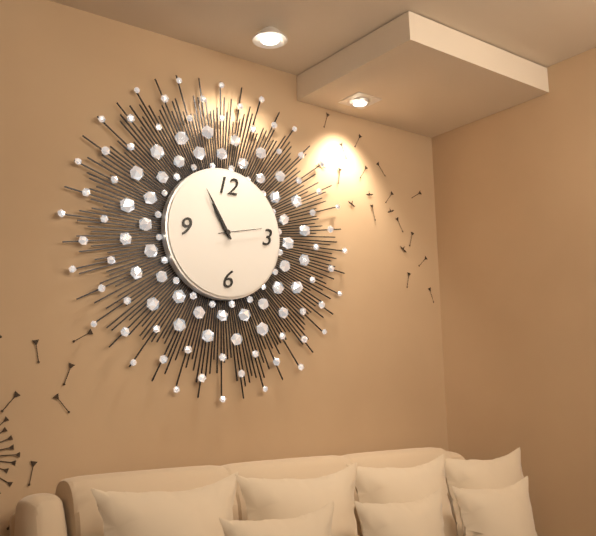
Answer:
10:55
